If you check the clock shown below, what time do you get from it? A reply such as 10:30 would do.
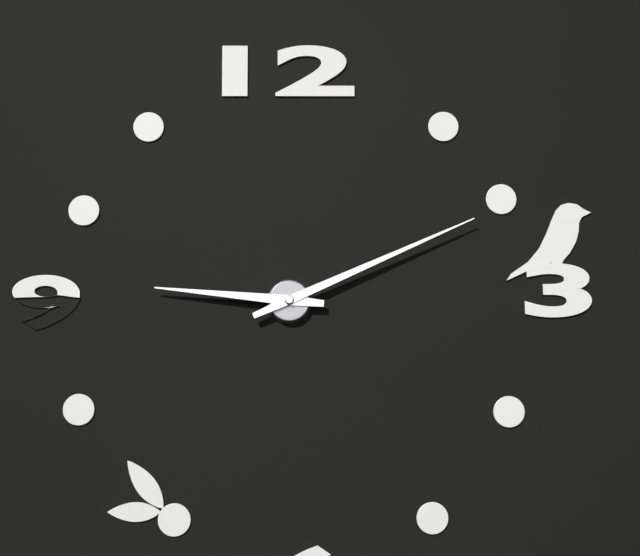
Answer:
9:11
